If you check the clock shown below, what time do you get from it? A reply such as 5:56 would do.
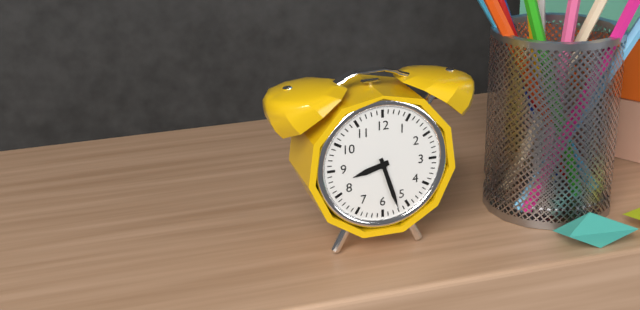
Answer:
8:27
